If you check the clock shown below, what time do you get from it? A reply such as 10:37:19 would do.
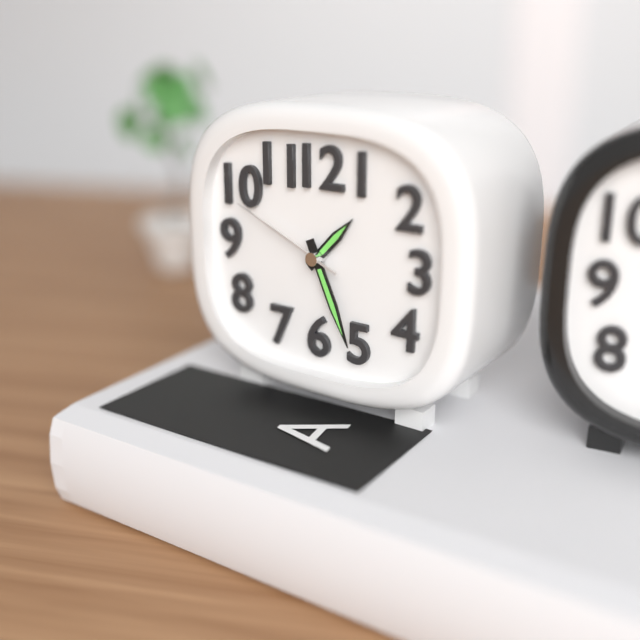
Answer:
1:26:49
